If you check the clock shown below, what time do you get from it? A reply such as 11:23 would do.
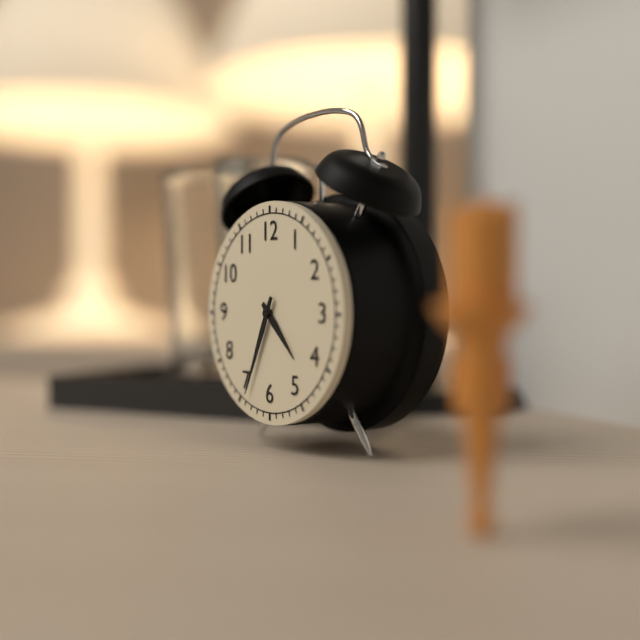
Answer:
4:34
